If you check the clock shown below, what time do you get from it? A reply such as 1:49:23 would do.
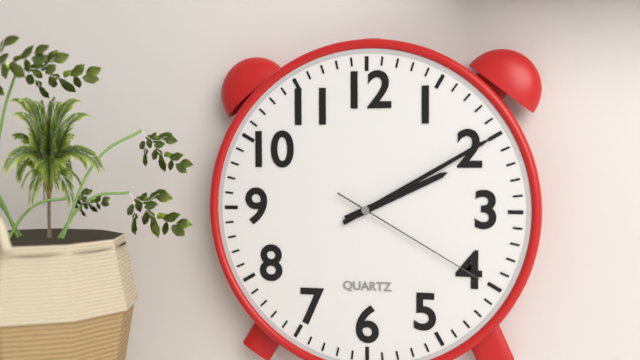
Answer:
2:10:20
